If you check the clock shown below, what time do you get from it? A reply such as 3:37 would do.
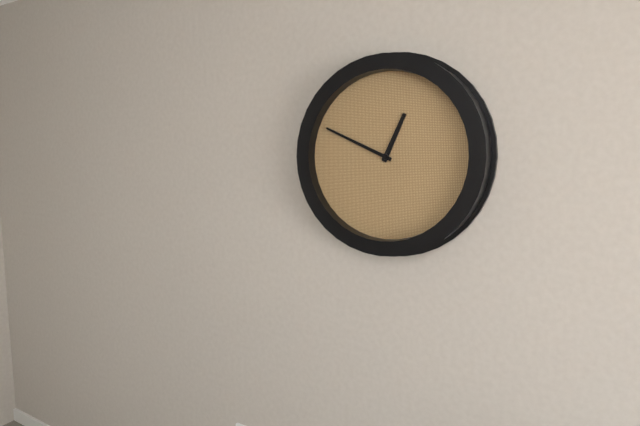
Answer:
12:49
